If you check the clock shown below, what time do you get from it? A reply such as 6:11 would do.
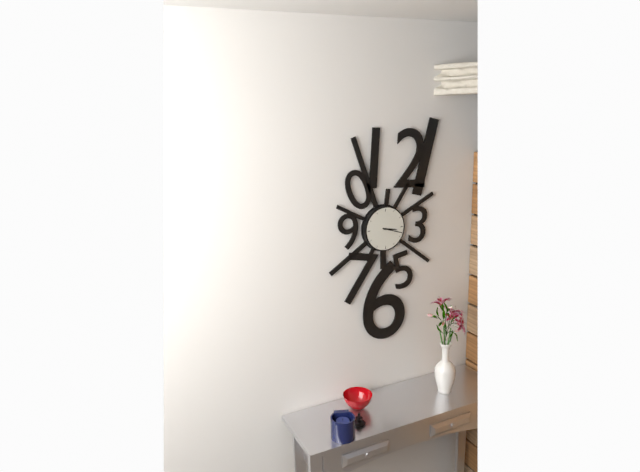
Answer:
3:18
